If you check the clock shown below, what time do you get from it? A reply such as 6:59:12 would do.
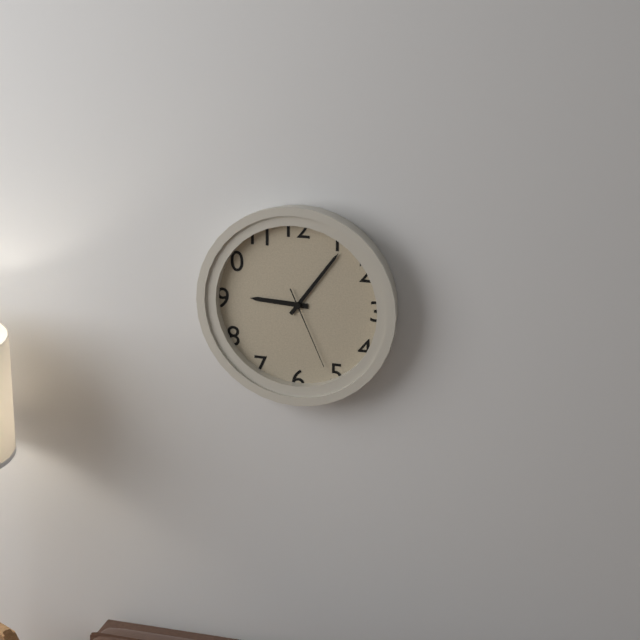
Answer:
9:06:26
